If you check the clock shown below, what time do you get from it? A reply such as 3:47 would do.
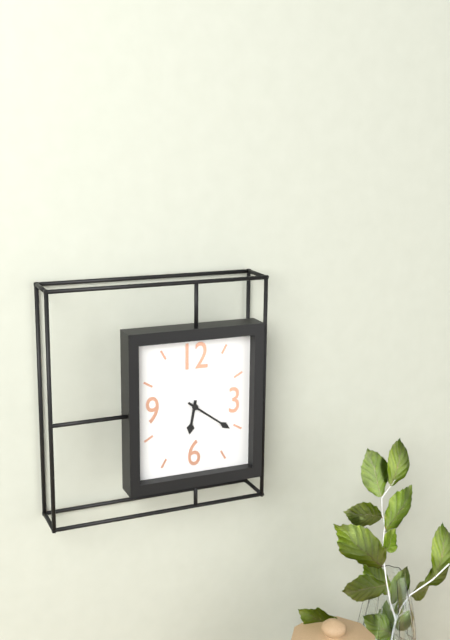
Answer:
6:21
